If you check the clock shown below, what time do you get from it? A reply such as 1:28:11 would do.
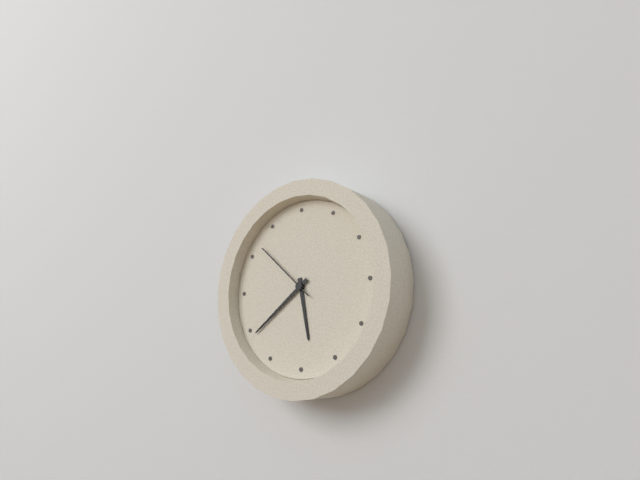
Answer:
5:39:52
